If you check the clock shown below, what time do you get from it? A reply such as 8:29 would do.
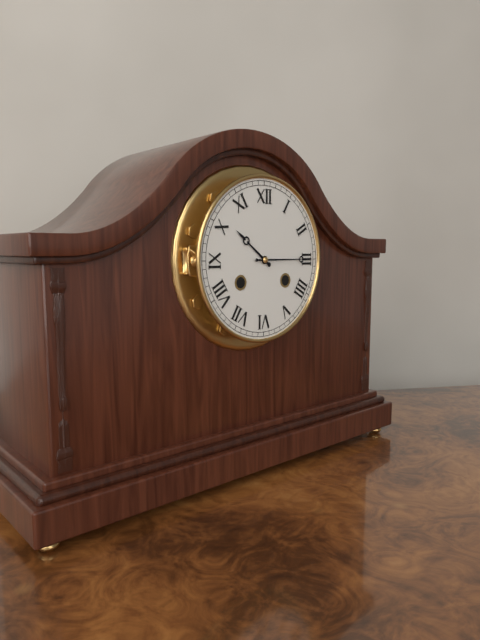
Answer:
10:15
